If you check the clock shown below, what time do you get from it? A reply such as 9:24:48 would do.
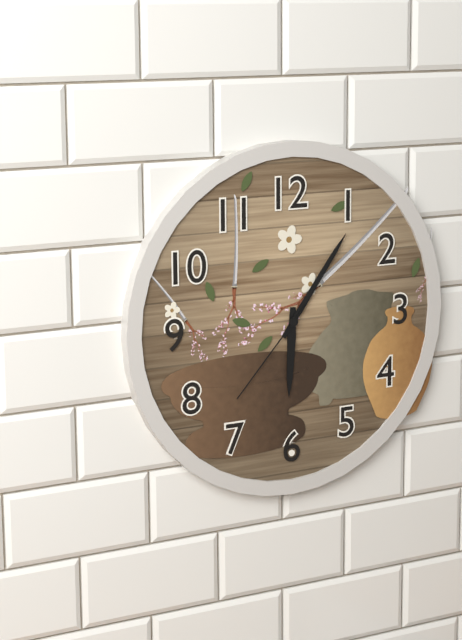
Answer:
6:06:37
